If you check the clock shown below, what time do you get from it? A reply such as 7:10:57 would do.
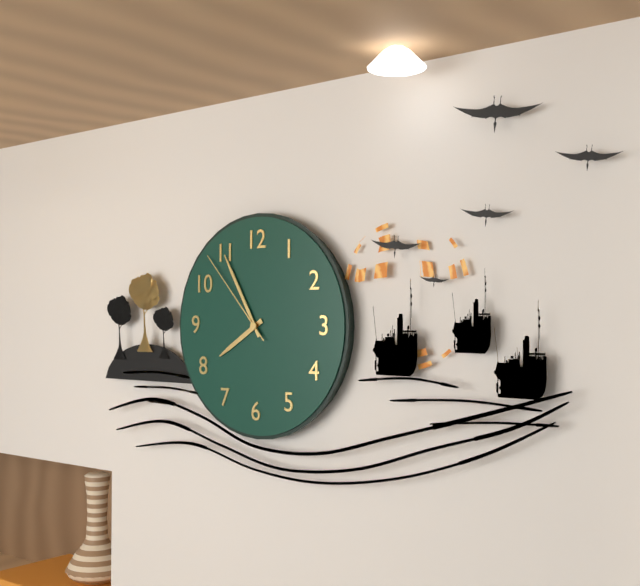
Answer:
7:55:53
